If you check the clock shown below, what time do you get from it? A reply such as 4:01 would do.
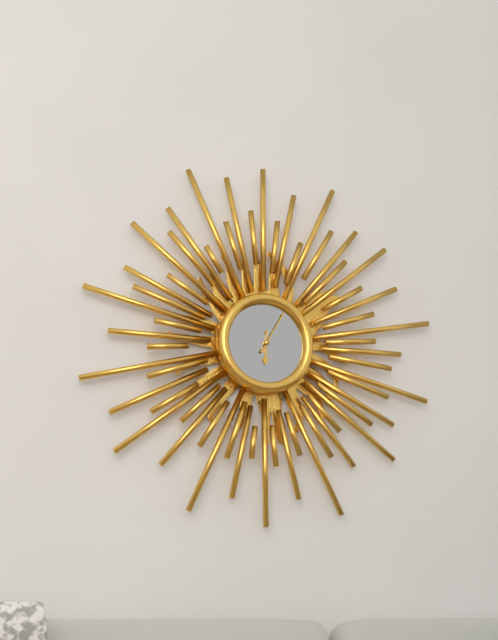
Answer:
6:05
